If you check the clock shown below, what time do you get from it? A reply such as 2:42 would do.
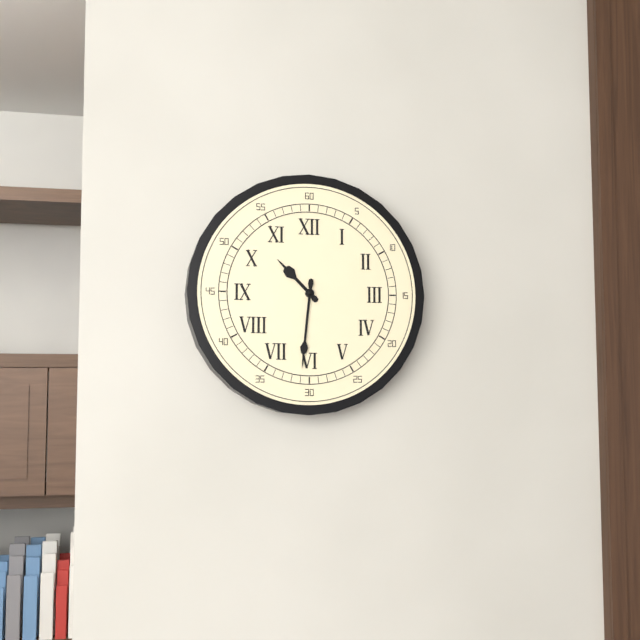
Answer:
10:31
